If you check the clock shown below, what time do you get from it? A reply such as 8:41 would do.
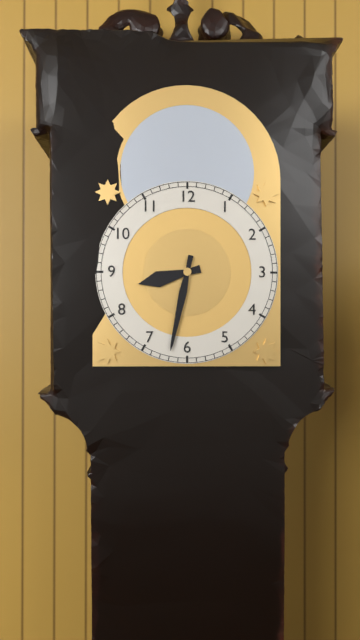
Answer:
8:32
